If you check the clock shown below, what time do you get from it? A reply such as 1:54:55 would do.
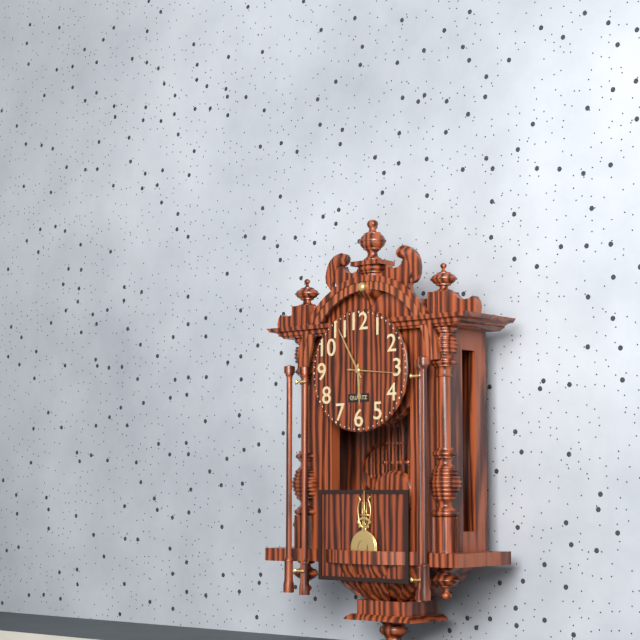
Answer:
5:55:16
